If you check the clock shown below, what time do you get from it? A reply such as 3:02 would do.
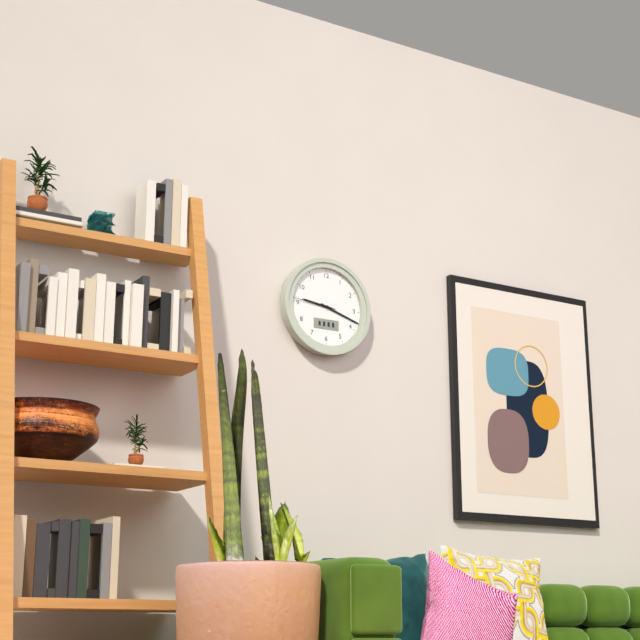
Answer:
9:18
